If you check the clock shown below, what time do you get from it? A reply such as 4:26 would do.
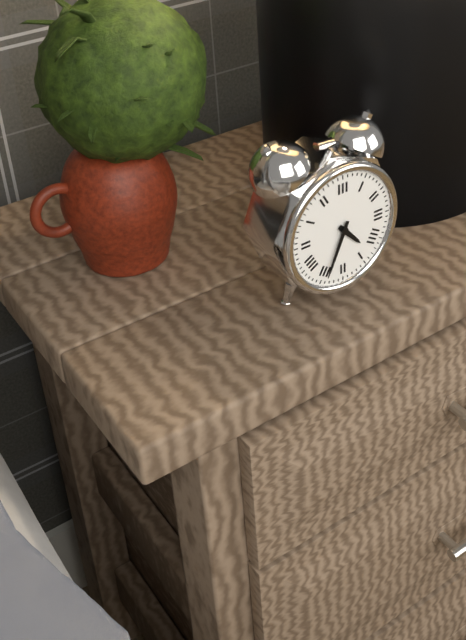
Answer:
4:34
